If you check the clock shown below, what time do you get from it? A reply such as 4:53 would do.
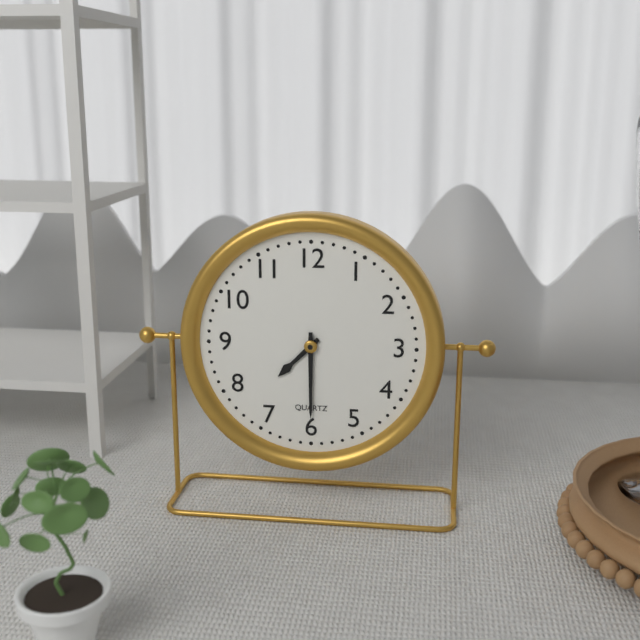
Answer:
7:30
